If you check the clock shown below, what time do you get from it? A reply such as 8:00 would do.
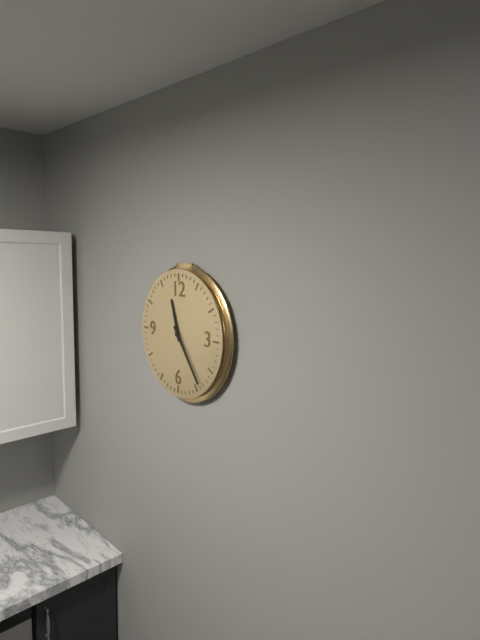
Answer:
11:24
